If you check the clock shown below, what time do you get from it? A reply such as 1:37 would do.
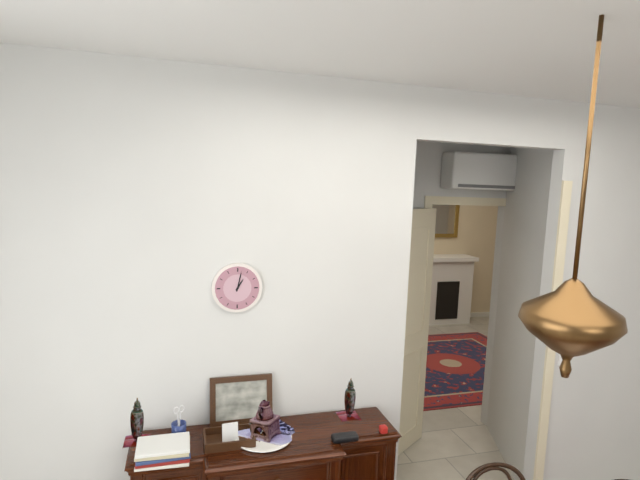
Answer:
1:02
